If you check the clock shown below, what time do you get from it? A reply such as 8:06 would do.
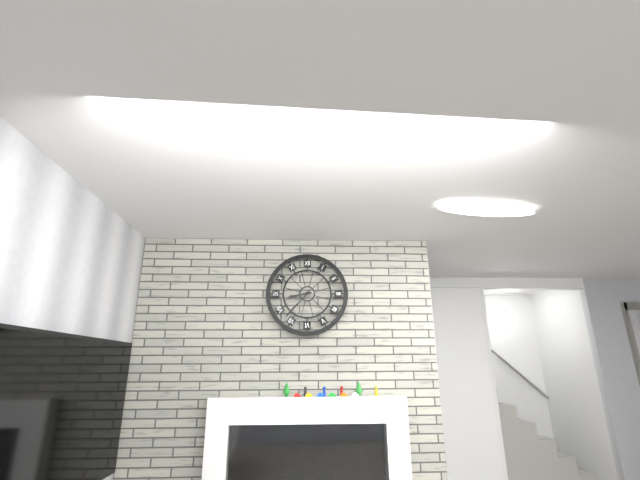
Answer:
8:37
